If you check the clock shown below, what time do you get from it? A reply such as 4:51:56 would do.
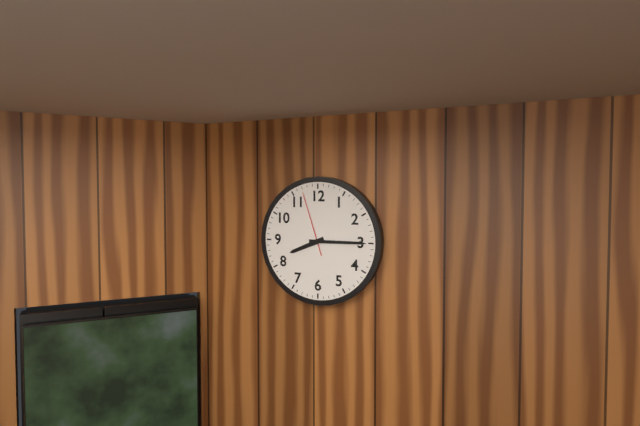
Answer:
8:15:57
